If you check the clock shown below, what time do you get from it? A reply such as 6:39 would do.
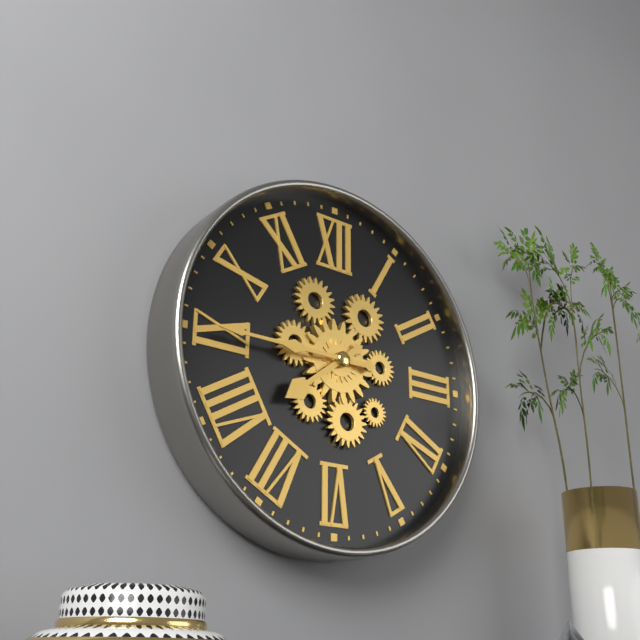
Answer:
7:45
